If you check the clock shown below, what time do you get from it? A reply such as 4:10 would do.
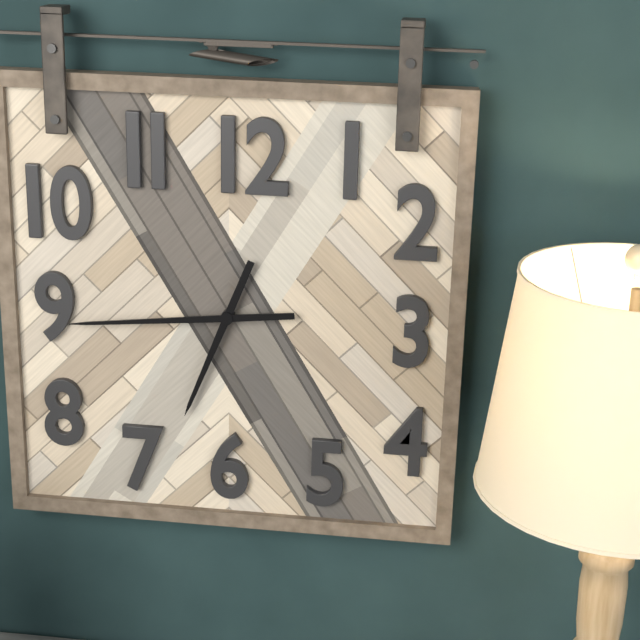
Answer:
6:44
